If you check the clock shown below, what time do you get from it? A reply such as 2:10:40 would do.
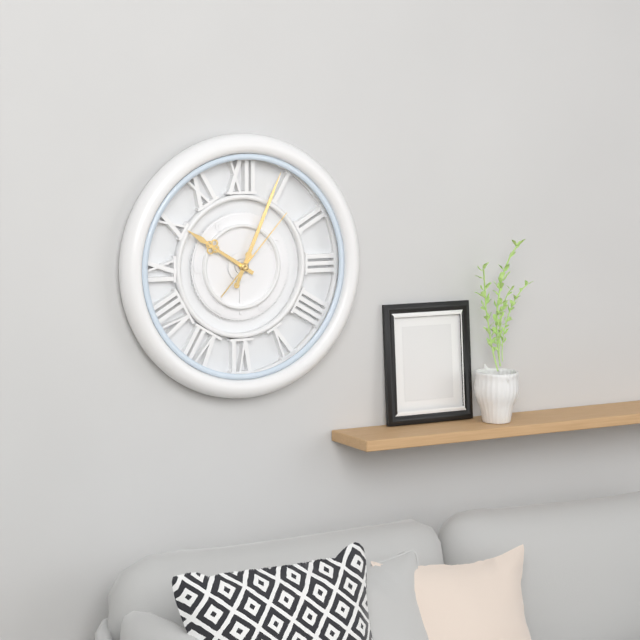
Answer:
10:04:07
